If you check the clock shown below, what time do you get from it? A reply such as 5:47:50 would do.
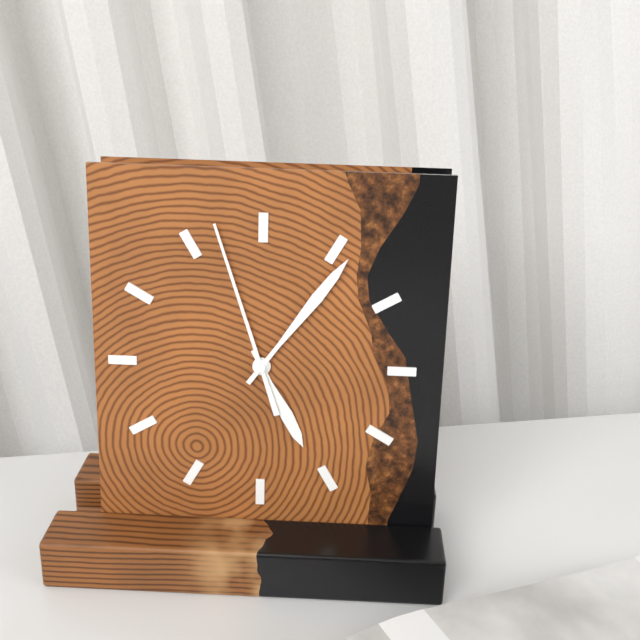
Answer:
5:06:57
